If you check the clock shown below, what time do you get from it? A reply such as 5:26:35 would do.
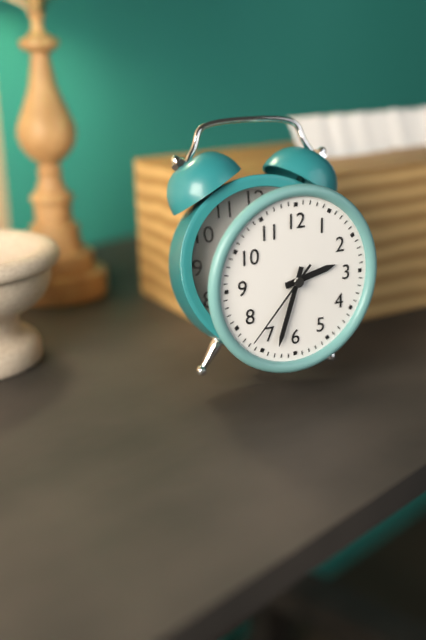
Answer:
2:33:37
